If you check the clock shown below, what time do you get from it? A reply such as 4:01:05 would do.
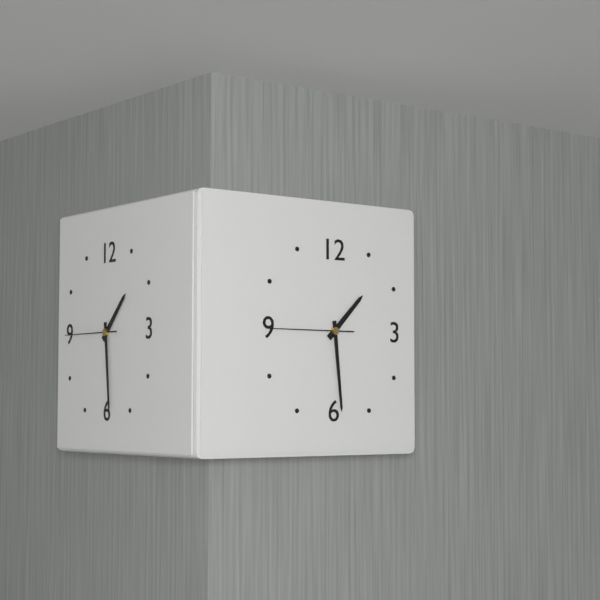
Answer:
1:29:45
